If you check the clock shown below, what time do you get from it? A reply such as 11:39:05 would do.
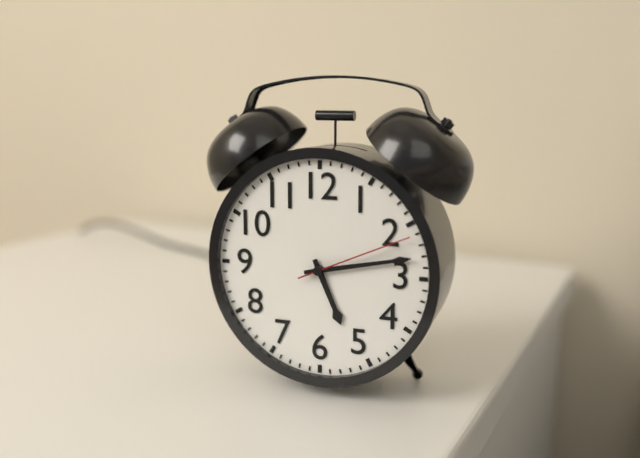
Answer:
5:13:11
